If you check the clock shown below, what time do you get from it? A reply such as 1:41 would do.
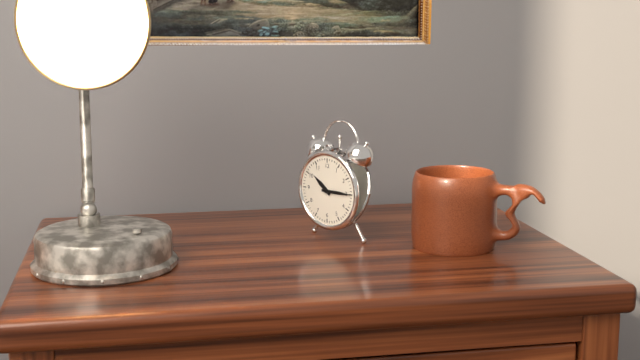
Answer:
10:15
